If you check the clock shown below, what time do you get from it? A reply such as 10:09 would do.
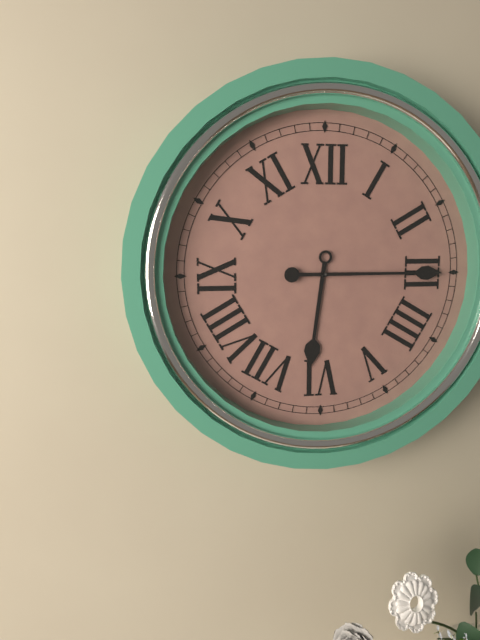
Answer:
6:15
